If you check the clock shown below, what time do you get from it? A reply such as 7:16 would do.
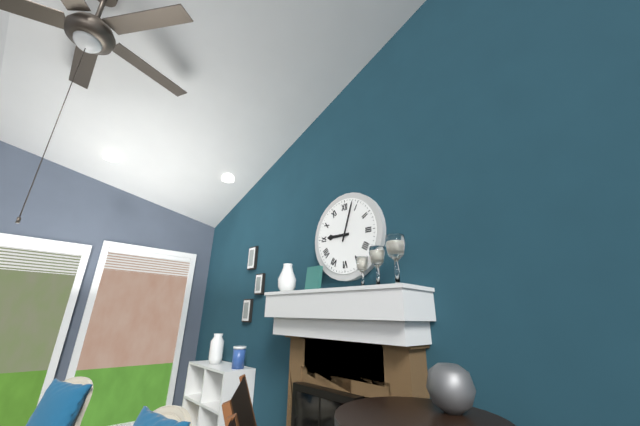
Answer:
9:03
